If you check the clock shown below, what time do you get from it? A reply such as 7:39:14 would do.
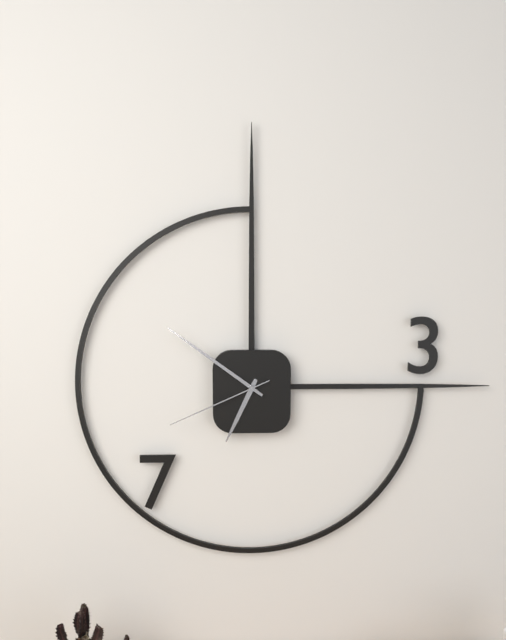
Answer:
6:51:41
